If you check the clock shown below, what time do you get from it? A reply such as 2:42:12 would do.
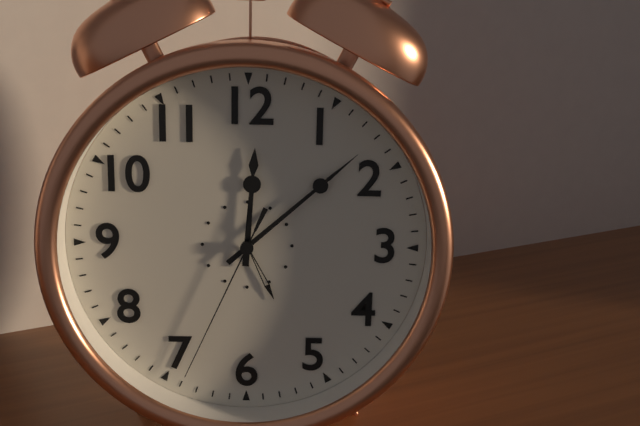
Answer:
12:08:34
